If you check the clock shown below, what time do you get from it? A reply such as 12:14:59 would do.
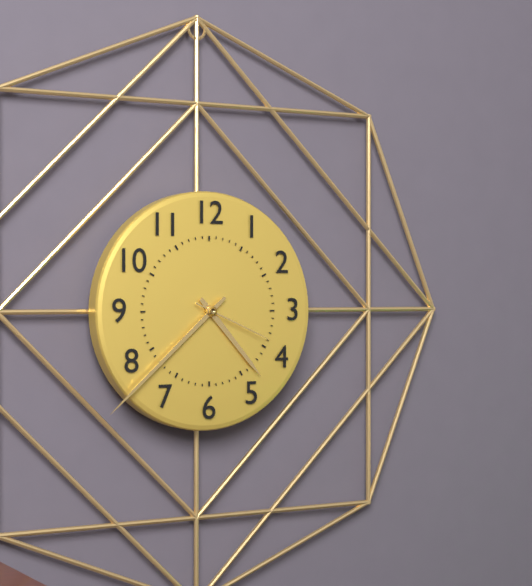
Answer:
4:38:19
